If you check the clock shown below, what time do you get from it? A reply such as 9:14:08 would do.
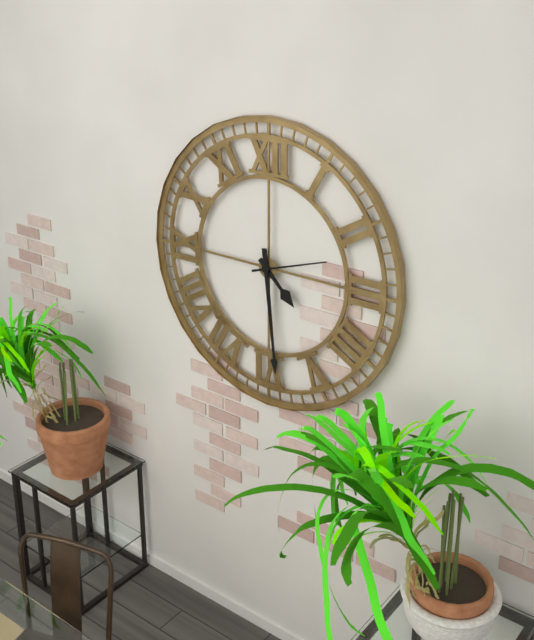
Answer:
4:29:12
